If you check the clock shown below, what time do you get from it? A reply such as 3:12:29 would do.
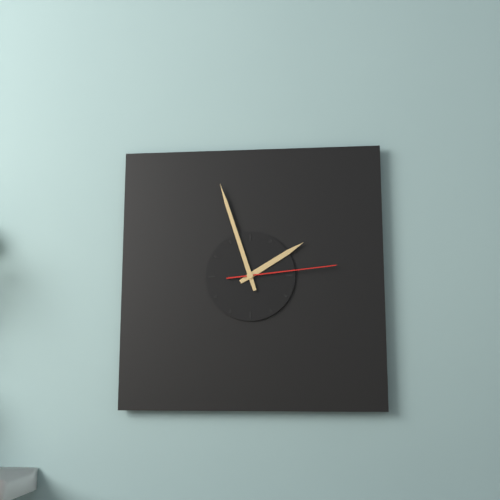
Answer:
1:57:14
